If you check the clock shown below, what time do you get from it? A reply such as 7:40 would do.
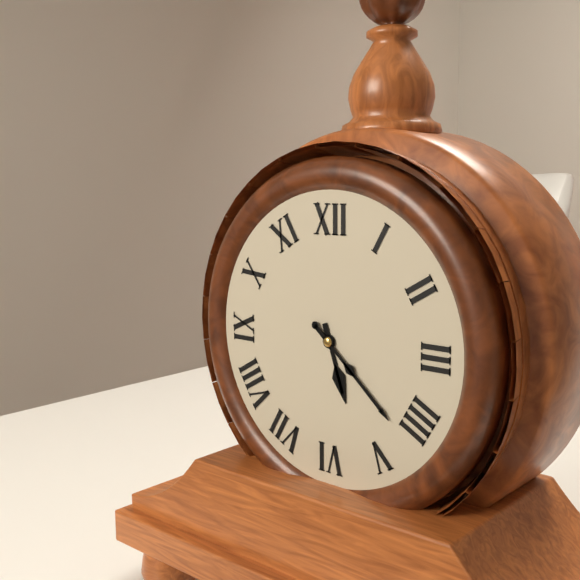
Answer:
5:22
